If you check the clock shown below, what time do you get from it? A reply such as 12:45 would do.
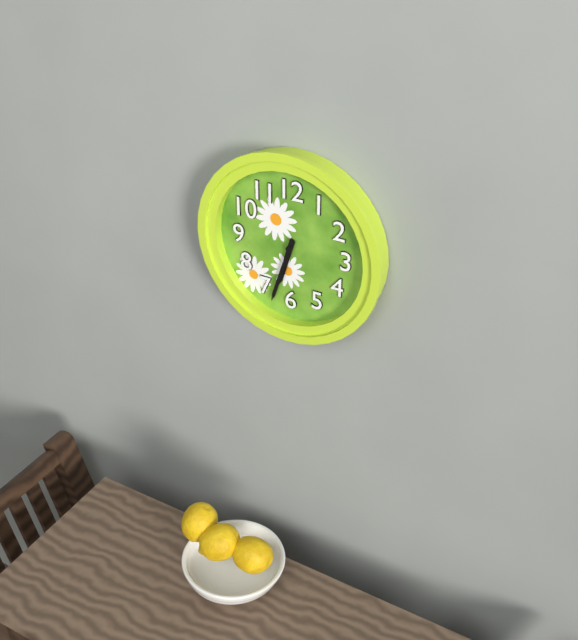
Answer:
6:33
